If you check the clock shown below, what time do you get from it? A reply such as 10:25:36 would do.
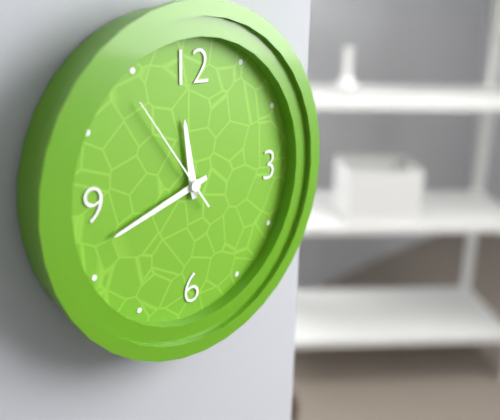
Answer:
11:42:54
